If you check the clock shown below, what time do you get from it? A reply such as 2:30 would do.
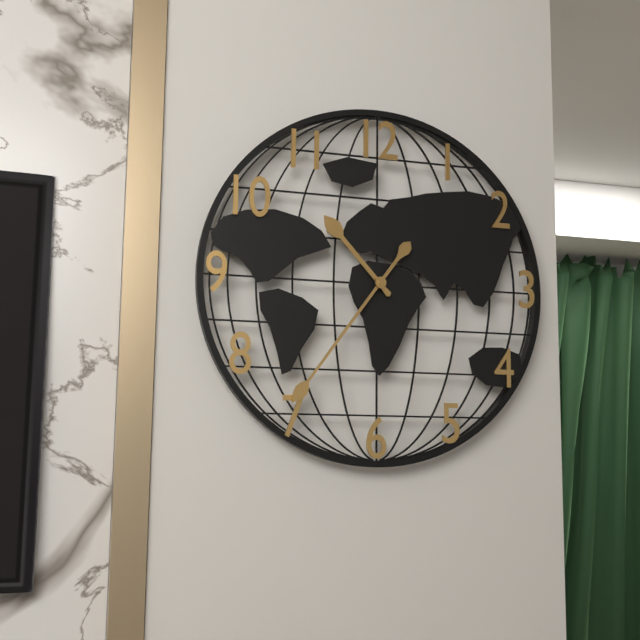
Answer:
10:36
